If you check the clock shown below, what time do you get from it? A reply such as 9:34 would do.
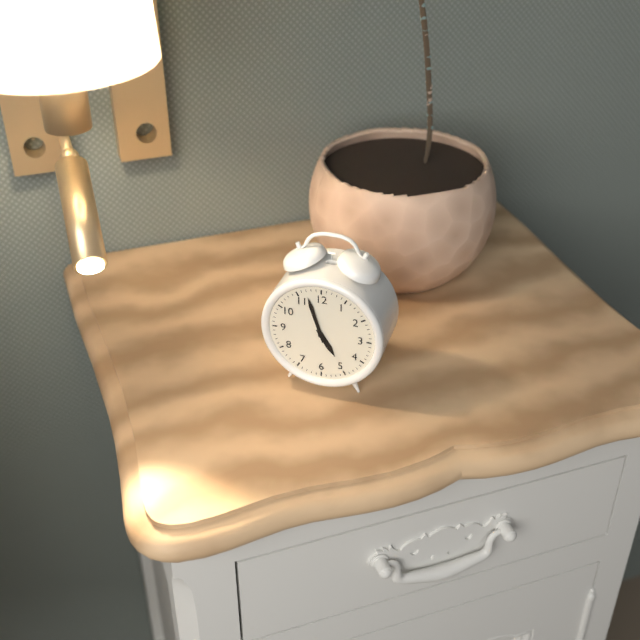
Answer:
4:57
